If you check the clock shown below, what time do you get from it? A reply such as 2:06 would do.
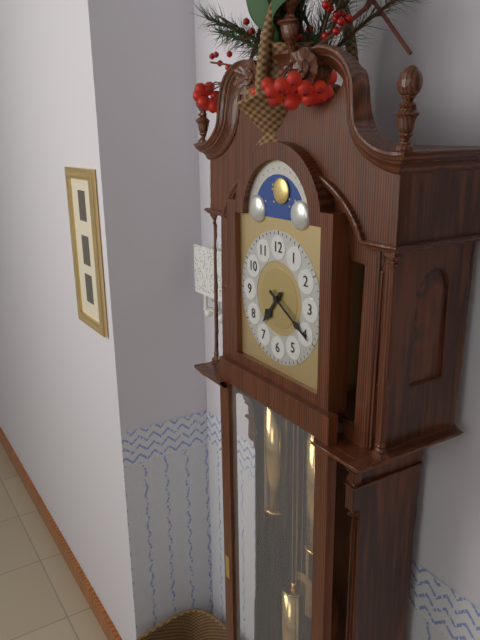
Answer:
7:20
